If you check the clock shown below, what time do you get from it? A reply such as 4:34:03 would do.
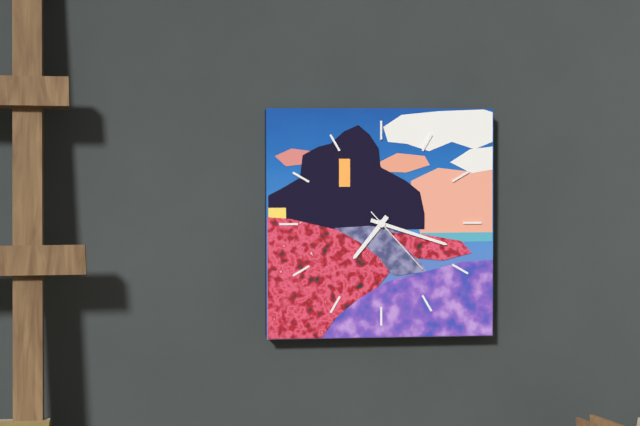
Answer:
7:18:23
